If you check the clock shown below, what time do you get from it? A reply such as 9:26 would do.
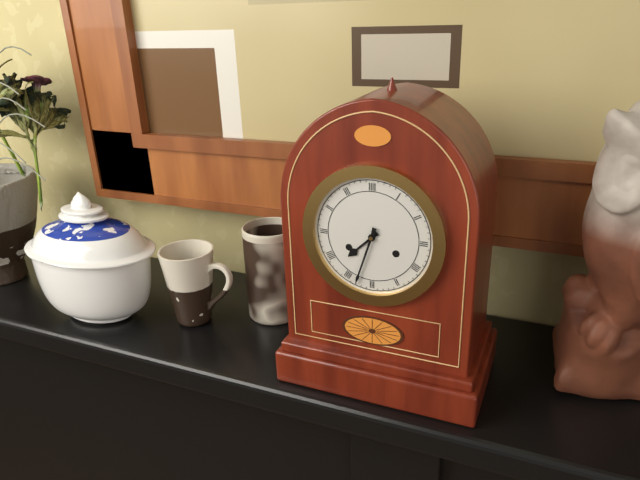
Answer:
7:33
